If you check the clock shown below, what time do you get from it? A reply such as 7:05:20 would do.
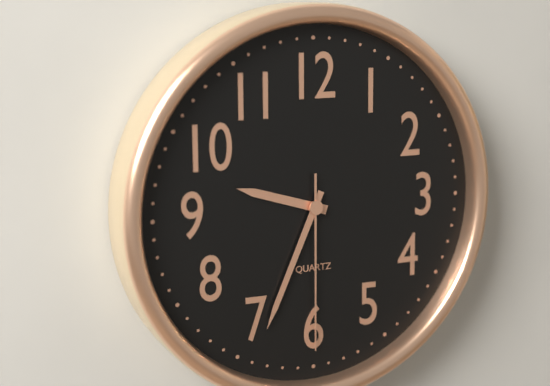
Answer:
9:34:30
